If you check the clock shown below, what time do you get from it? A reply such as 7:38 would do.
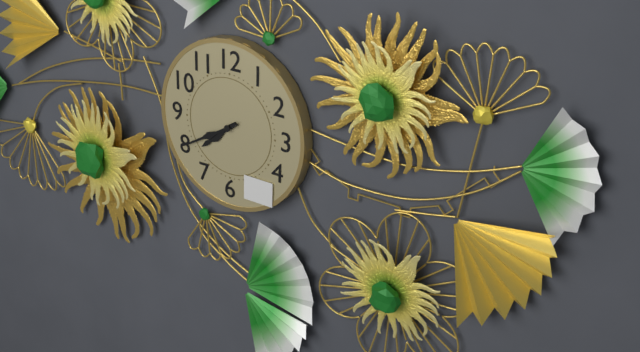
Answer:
7:40
